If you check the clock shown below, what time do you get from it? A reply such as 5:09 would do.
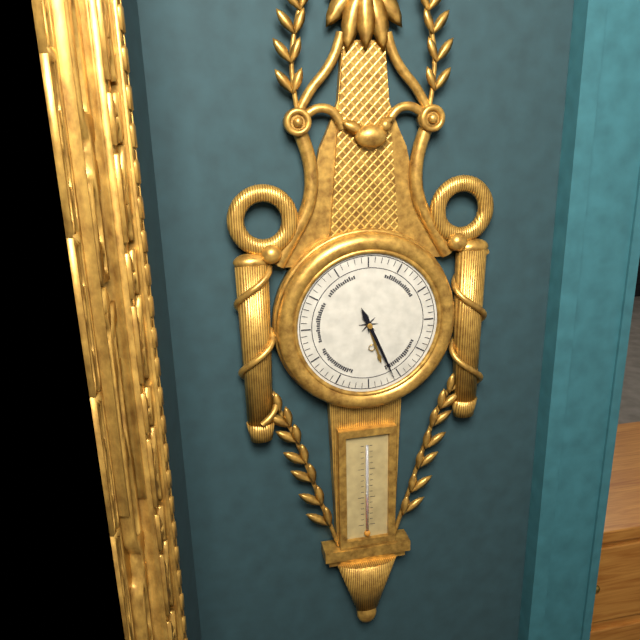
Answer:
5:26
